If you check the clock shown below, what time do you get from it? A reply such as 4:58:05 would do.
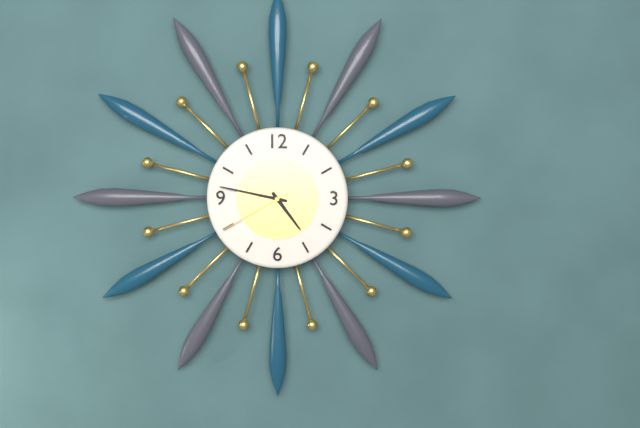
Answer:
4:47:40
